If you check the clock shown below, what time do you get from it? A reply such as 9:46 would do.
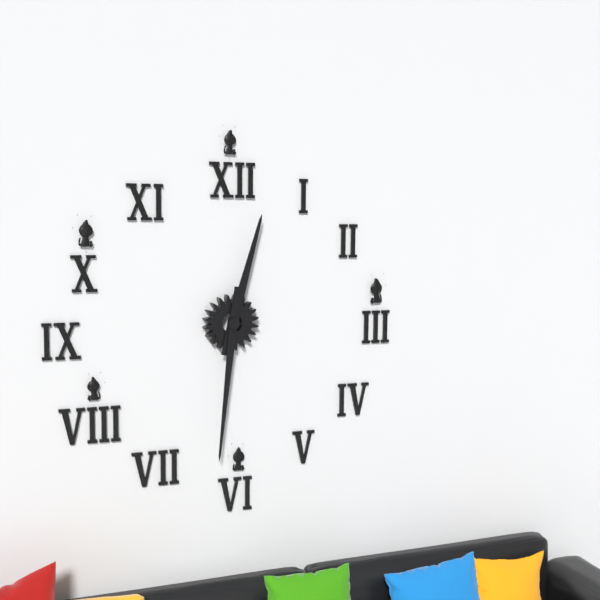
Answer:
12:31
